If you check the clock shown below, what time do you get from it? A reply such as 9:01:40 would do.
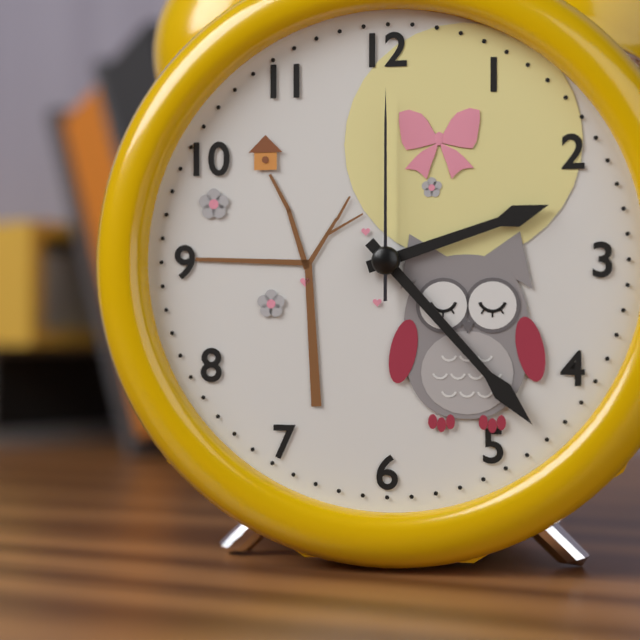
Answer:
2:23:00
